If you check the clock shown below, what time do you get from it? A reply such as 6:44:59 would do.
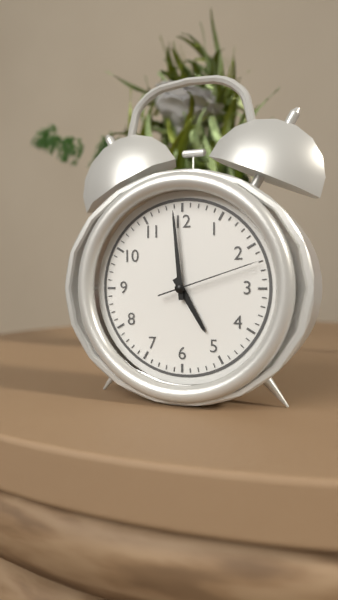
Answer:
4:59:12
